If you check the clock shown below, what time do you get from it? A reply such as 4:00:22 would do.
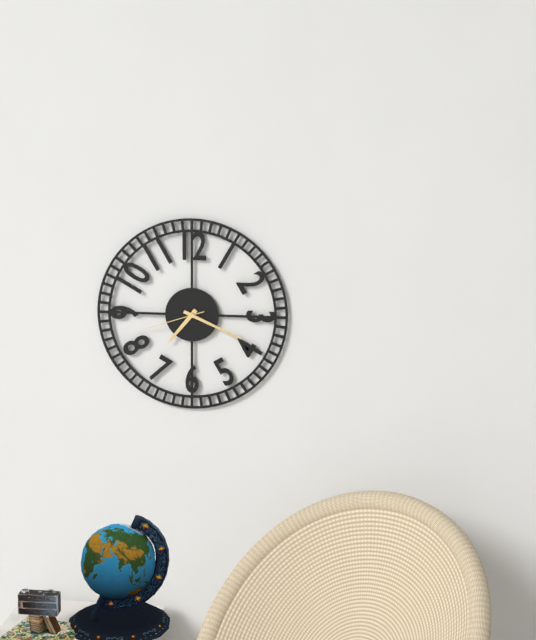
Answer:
7:19:42
